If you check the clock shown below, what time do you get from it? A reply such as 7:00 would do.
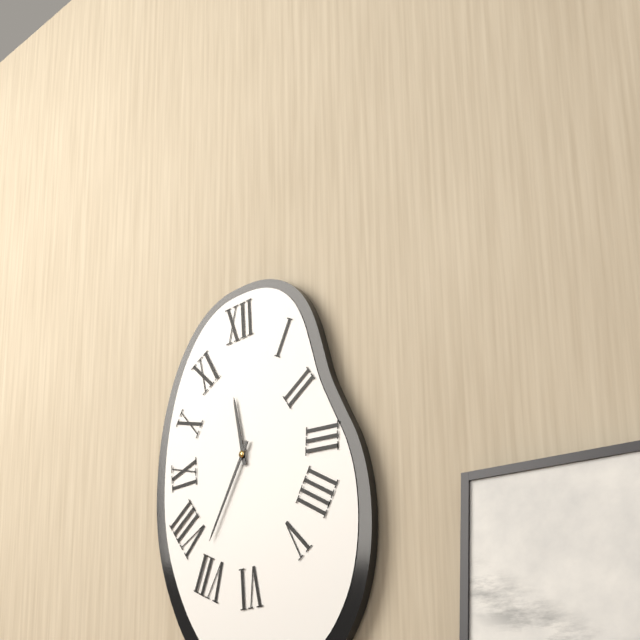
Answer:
11:35
